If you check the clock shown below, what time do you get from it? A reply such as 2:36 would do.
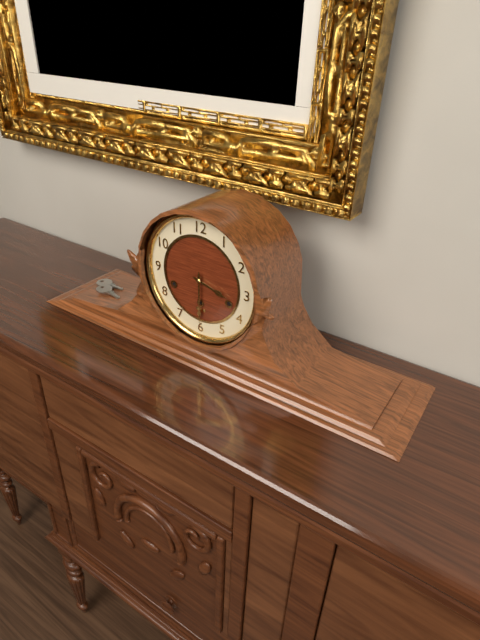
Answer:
3:30
